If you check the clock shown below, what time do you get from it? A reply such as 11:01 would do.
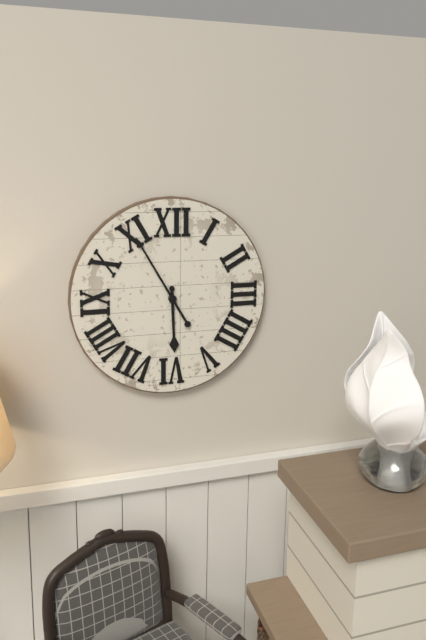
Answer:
5:55
